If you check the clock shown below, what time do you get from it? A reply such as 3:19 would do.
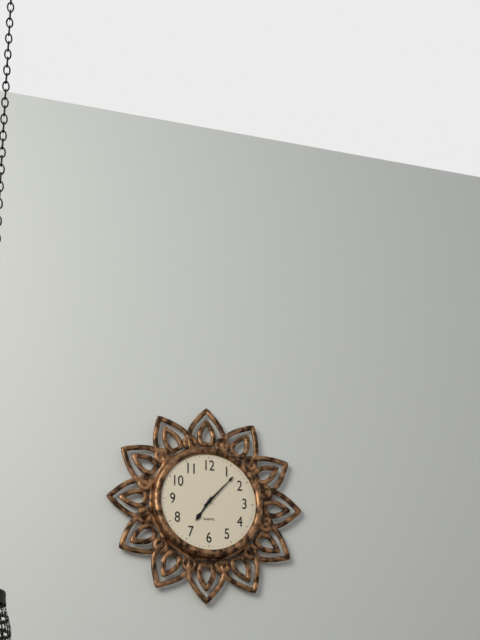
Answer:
7:07
